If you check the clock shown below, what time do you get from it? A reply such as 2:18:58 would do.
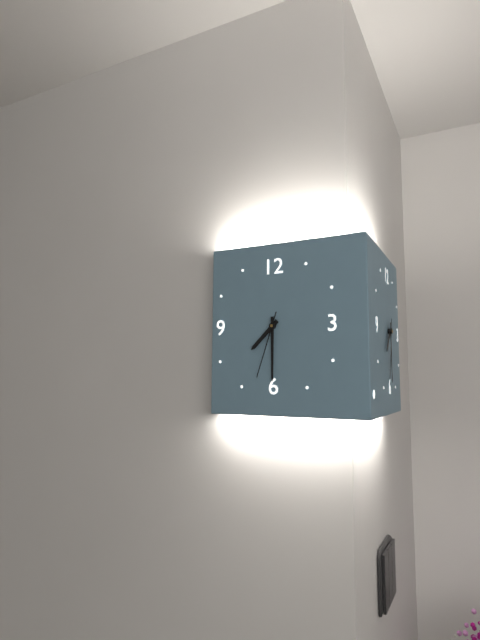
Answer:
7:30:33
